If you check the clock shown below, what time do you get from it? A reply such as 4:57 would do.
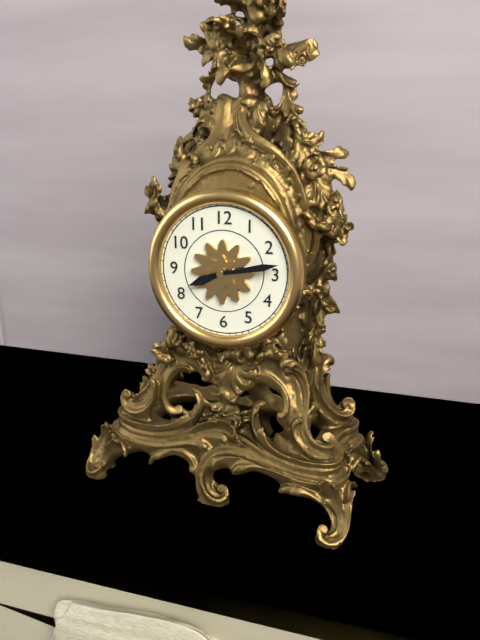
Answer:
8:13
